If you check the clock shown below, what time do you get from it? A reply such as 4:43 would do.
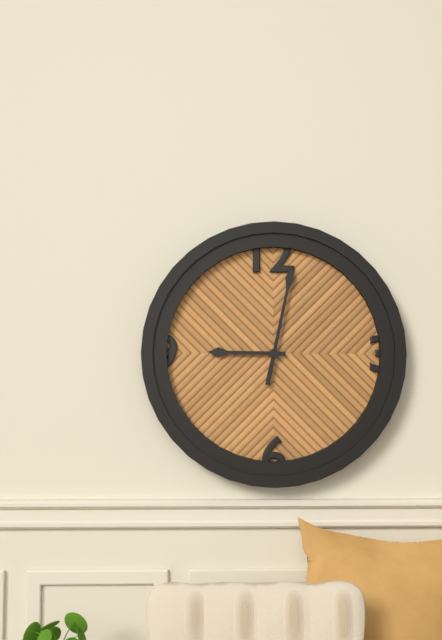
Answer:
9:02
